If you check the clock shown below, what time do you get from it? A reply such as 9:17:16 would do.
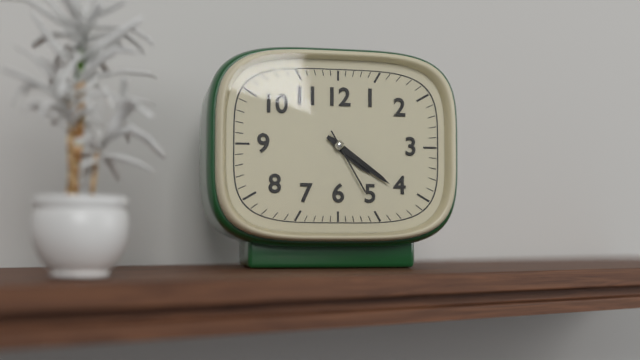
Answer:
4:21:25
